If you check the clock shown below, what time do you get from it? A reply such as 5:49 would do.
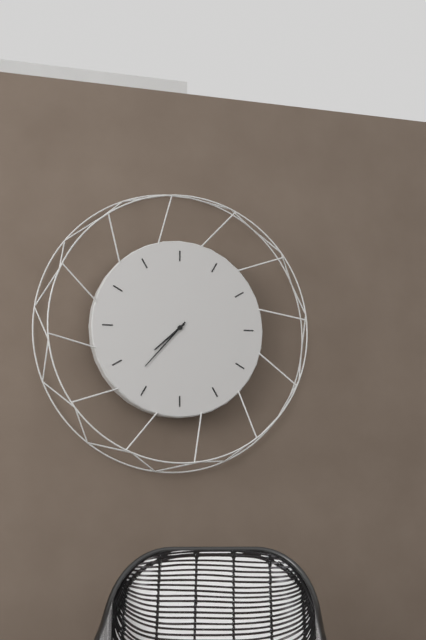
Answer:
7:37
